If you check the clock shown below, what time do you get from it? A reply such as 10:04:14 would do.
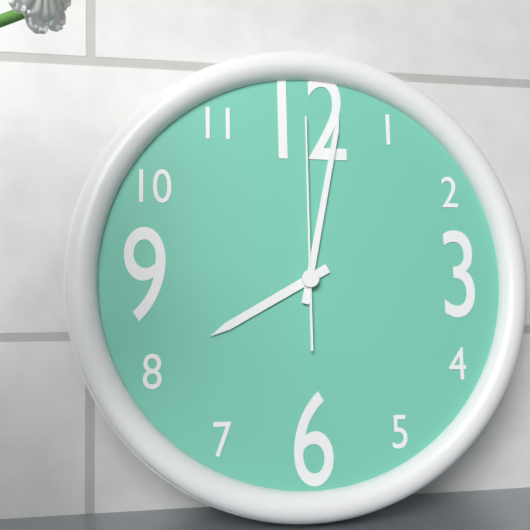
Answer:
8:02:00
